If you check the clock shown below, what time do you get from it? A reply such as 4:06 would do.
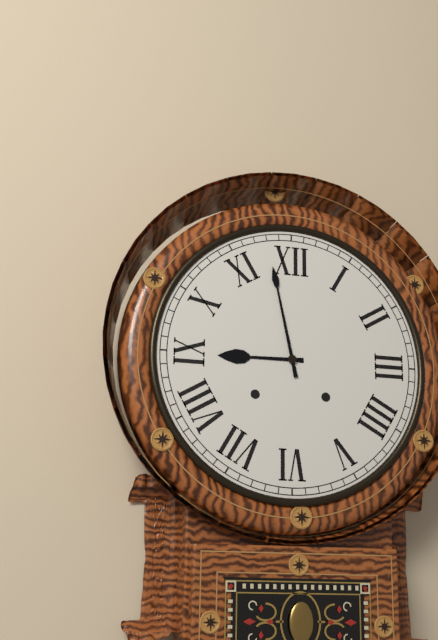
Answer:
8:58
